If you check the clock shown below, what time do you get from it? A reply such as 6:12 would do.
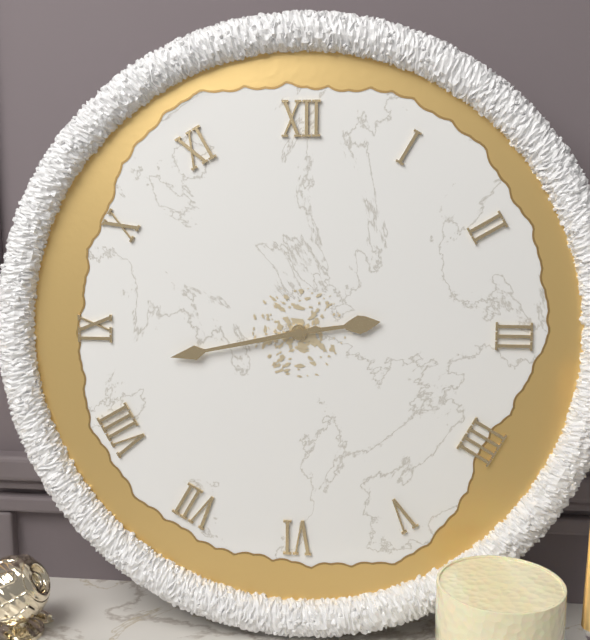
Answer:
2:43
